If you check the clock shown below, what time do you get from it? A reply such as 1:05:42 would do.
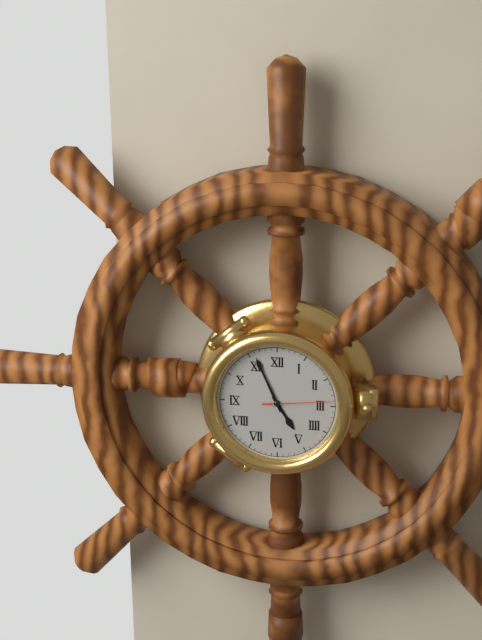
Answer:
4:56:14
